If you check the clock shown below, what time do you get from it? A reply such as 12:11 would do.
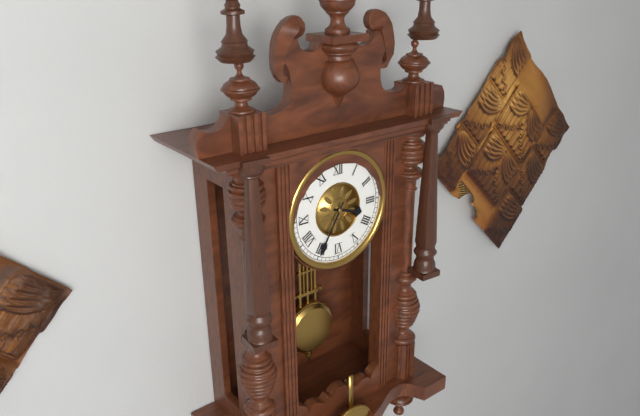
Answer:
3:35
